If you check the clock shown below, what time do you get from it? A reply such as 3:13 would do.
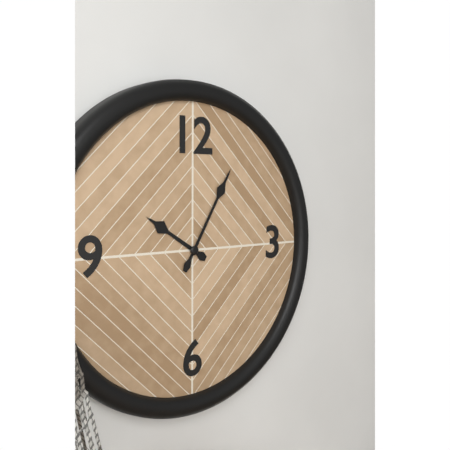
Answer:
10:05
